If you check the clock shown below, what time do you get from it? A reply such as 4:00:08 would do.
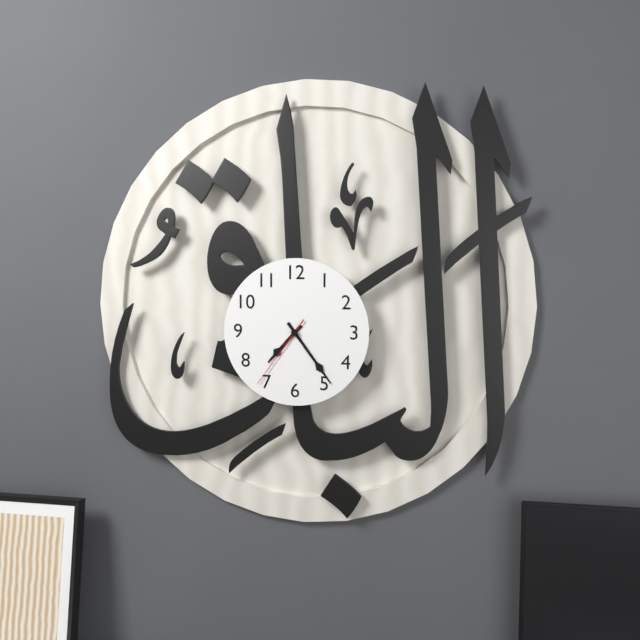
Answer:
7:24:36
